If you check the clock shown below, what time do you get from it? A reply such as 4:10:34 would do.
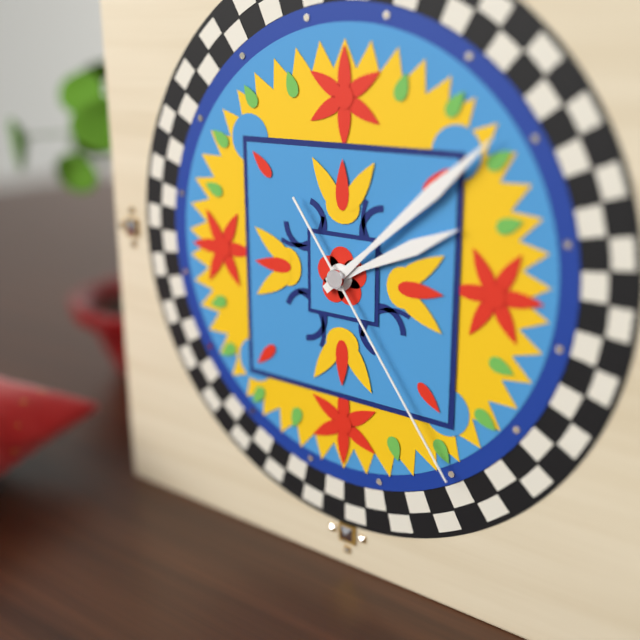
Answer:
2:08:24
